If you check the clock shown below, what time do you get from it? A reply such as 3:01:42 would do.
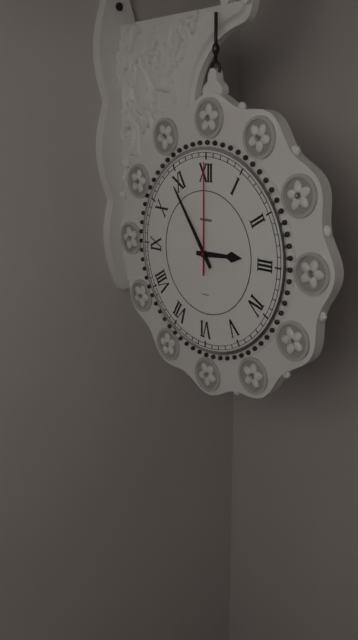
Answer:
2:54:00
